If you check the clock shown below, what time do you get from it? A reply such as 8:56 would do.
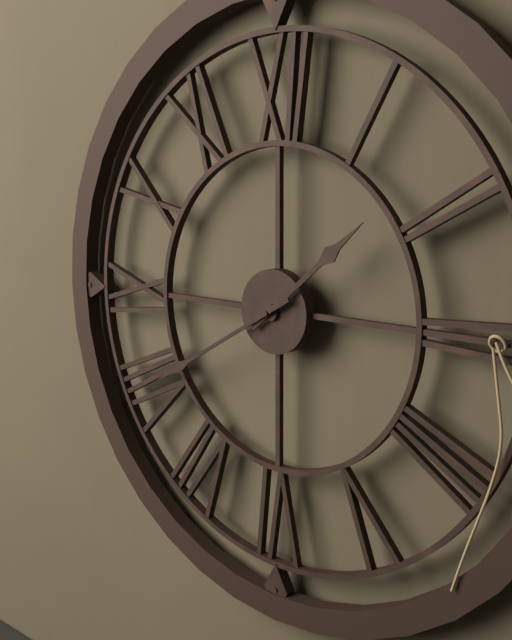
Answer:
1:40
